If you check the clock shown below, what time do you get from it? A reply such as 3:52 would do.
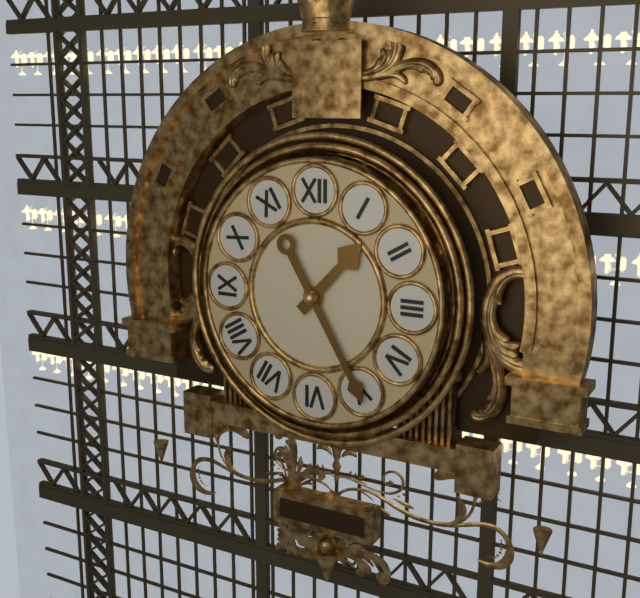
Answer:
1:25
